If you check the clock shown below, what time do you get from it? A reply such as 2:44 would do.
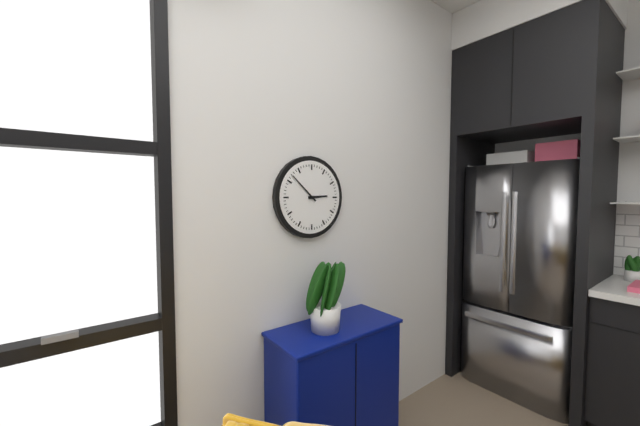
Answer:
2:52
